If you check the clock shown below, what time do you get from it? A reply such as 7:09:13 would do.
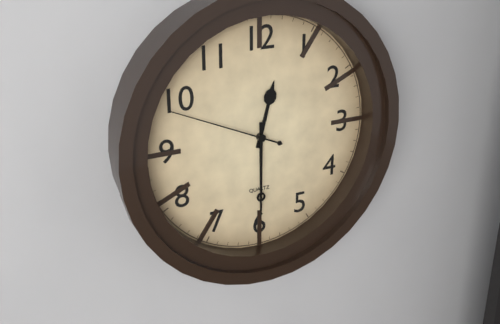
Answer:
12:30:49
